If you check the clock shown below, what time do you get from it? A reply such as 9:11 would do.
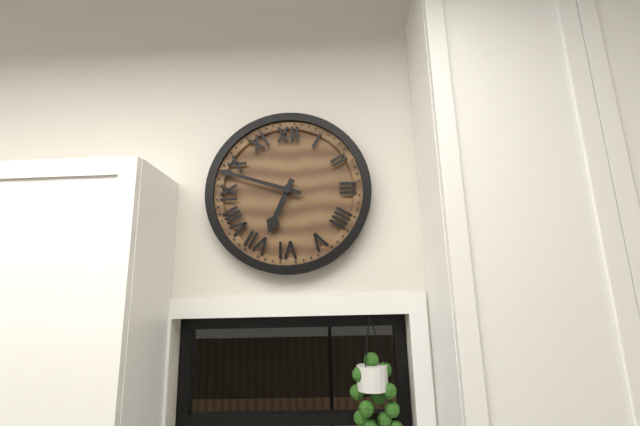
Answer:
6:48
